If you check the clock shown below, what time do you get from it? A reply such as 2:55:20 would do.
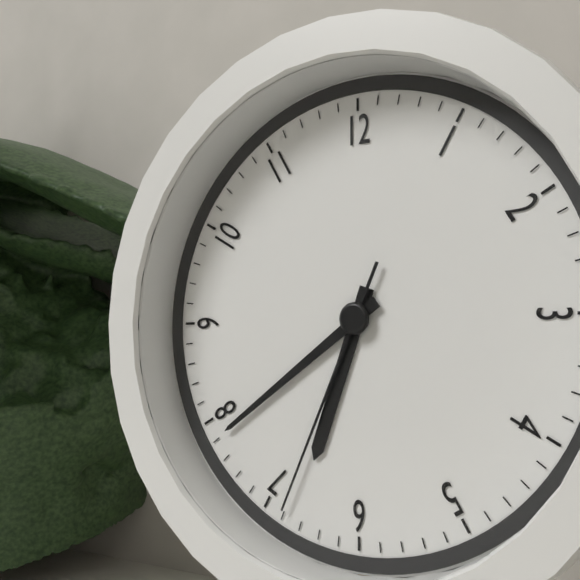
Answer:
6:39:34
